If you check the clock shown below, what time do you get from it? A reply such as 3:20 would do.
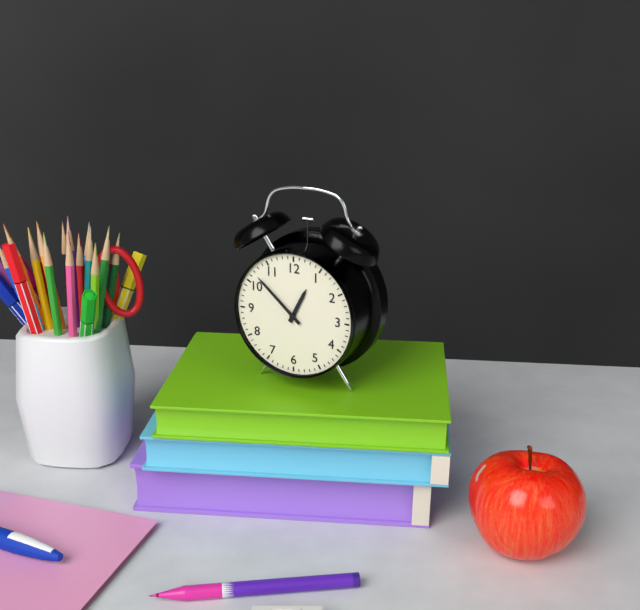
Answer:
12:52
